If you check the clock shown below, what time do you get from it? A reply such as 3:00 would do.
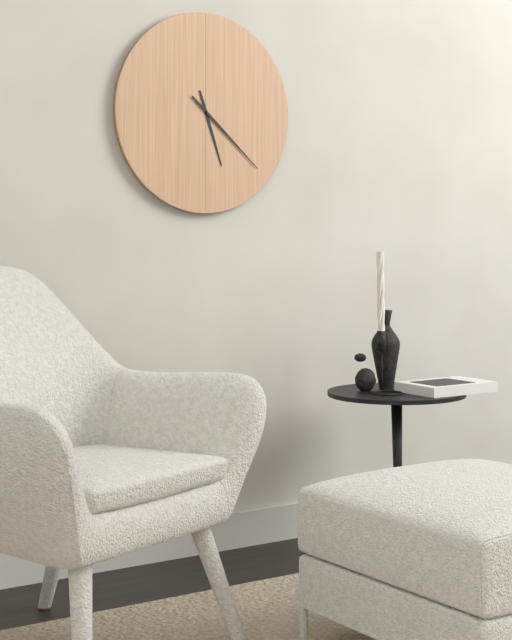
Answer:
5:22
